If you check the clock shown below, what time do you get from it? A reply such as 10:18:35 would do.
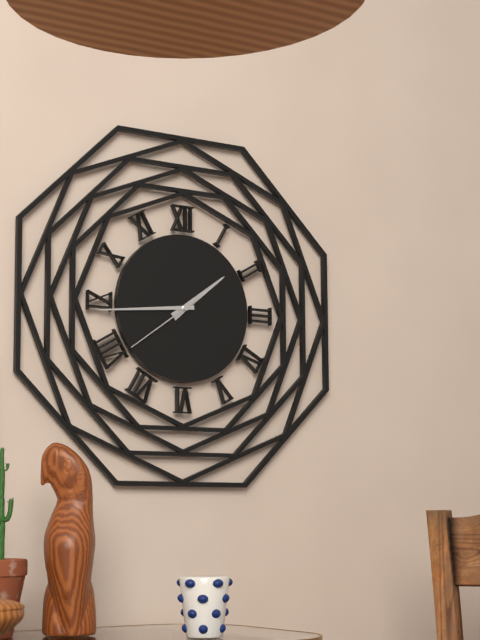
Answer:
1:44:39
